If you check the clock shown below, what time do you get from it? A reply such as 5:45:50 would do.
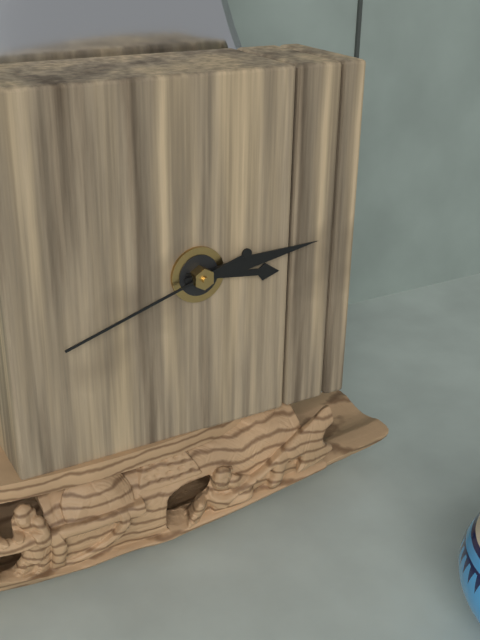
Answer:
3:14:42
